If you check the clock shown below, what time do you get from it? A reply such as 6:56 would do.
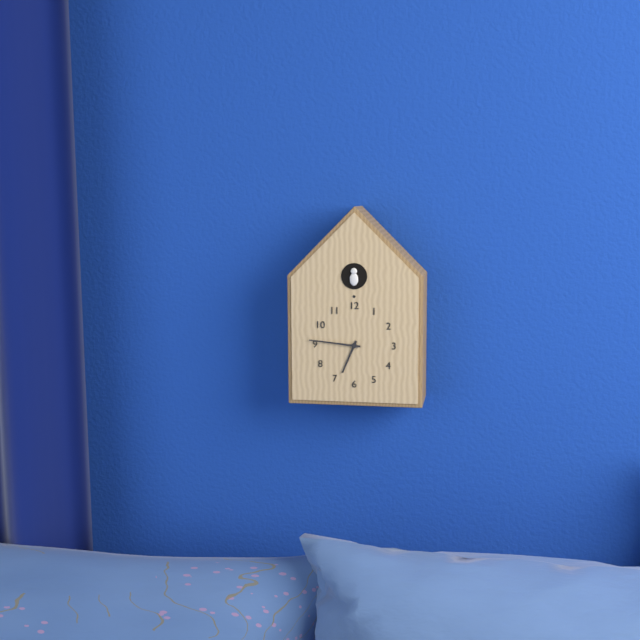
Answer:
6:46
